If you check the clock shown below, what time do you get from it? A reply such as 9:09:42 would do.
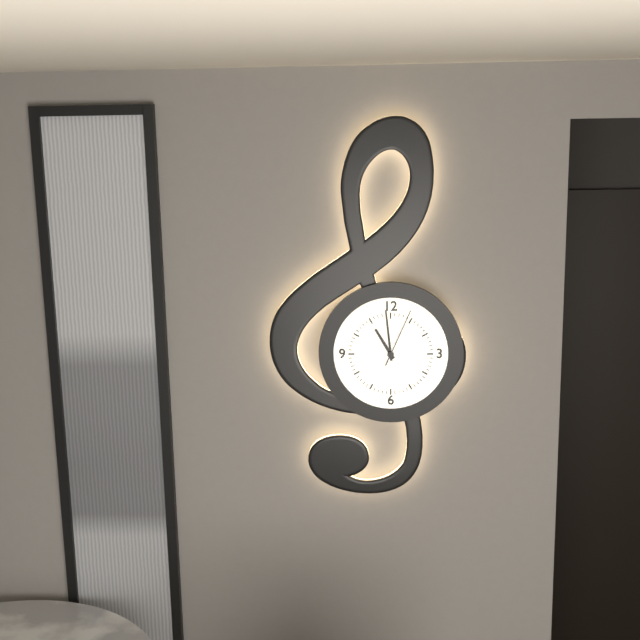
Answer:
10:59:04
